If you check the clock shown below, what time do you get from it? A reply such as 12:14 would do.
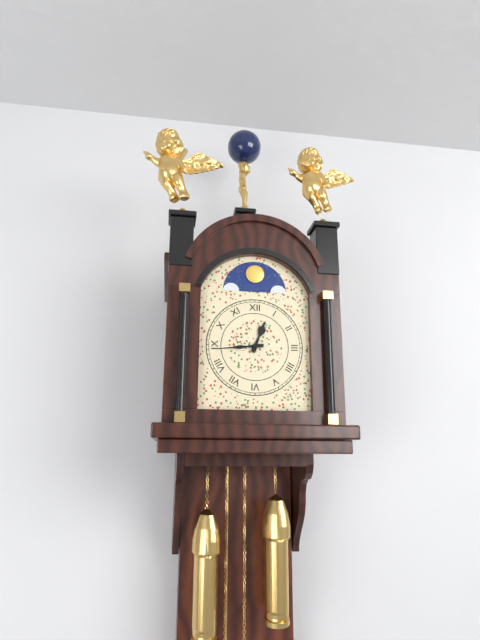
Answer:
12:44
